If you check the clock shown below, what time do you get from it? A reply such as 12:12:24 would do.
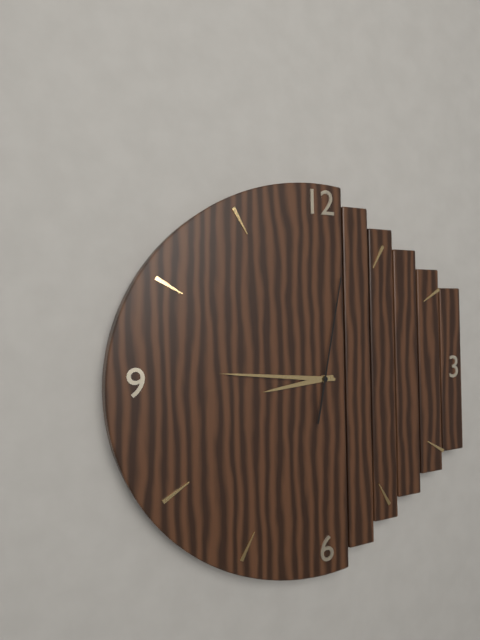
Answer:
8:46:02
